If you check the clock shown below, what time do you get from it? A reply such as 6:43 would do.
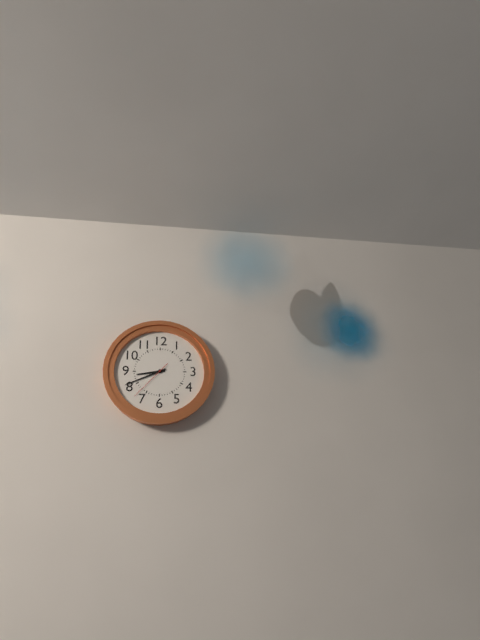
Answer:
8:41
